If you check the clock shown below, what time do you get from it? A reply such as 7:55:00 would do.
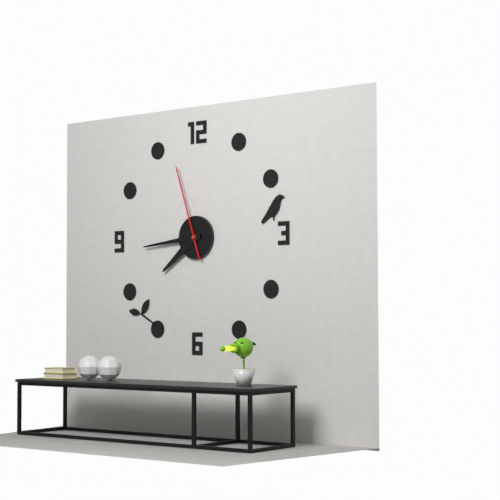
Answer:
7:44:57
